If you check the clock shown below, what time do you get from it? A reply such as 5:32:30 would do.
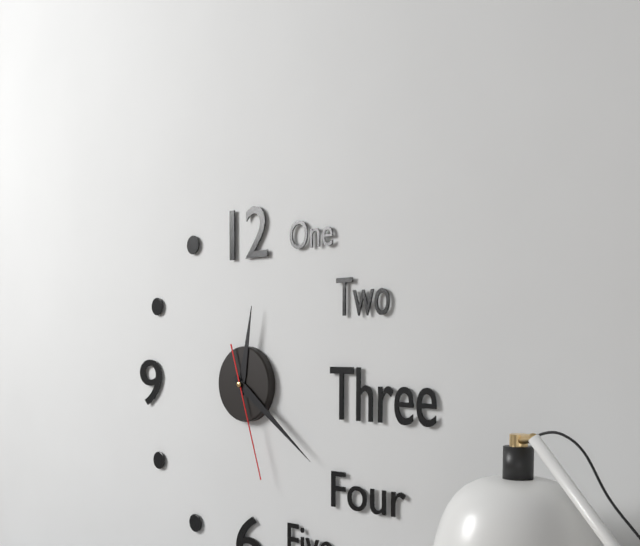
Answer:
12:21:27
